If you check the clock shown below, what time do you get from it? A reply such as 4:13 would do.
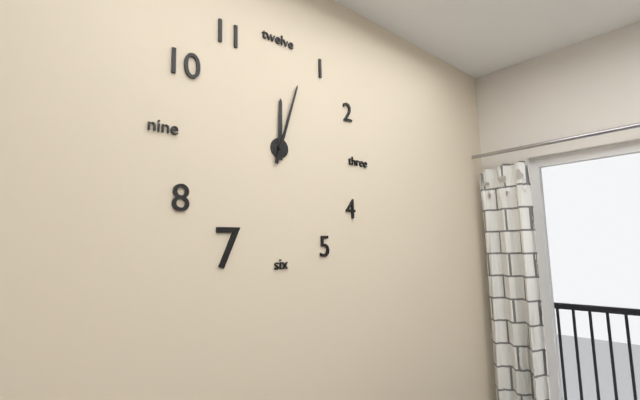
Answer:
12:03
